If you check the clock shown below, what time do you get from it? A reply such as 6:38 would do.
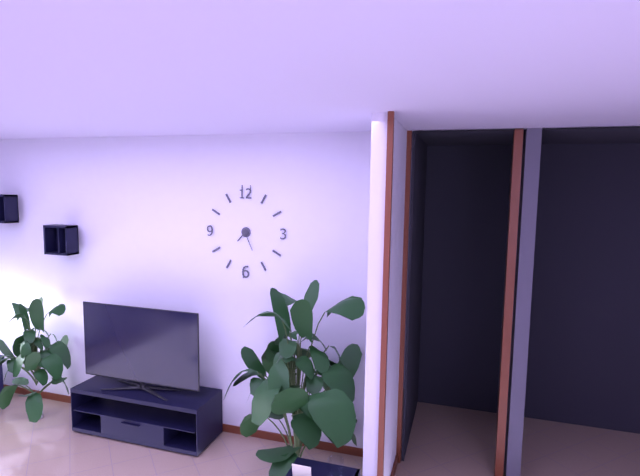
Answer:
7:26
